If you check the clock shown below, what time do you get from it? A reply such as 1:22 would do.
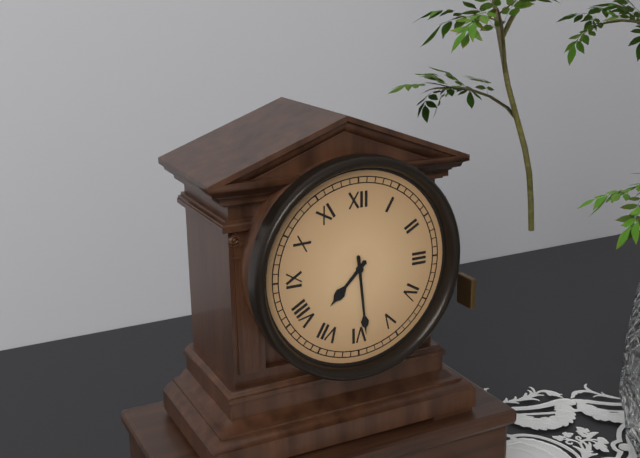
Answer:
7:29
